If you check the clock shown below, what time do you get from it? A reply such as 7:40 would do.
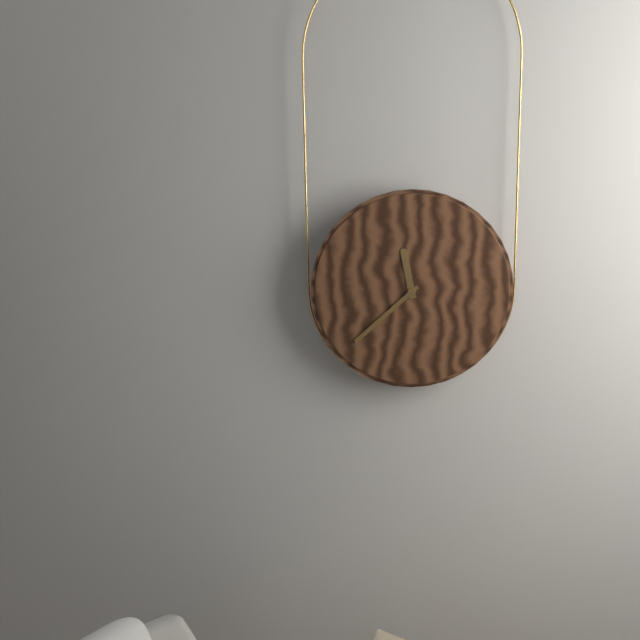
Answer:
11:38
